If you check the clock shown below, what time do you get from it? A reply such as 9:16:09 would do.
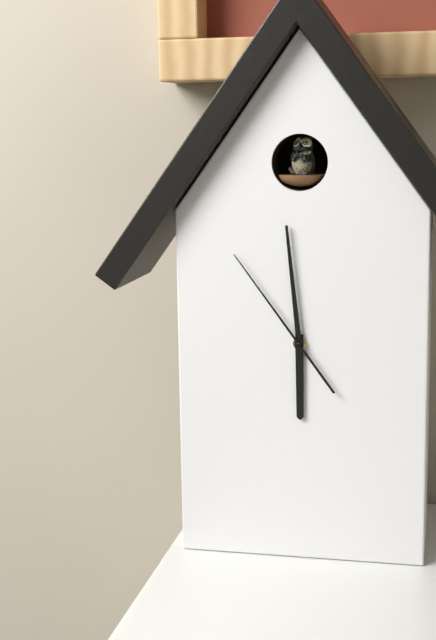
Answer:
5:59:54
